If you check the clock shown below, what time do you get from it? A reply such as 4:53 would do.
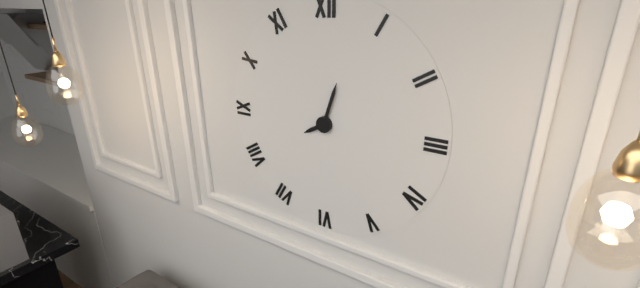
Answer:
8:03
